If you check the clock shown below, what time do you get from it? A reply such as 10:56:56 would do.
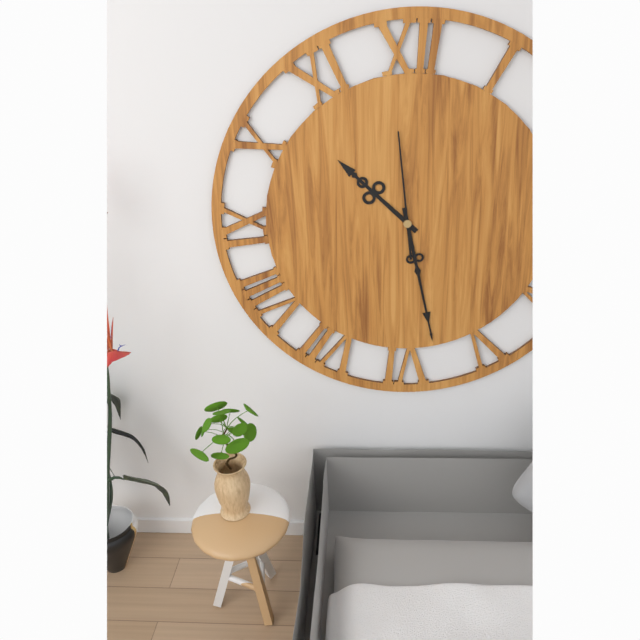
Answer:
10:28:59
